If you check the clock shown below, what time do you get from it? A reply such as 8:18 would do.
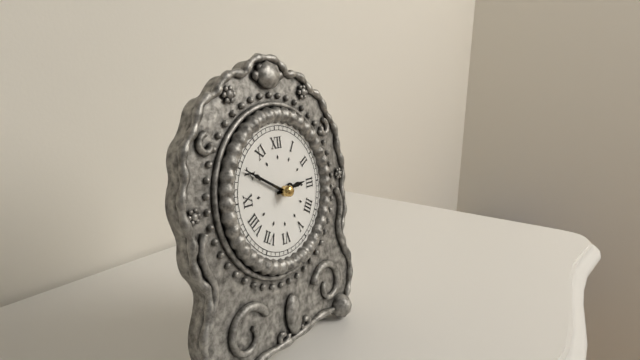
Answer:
2:50
